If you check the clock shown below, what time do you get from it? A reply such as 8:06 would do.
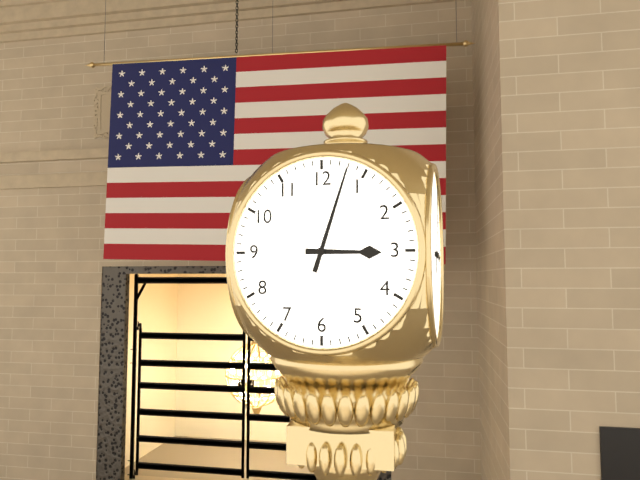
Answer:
3:03
